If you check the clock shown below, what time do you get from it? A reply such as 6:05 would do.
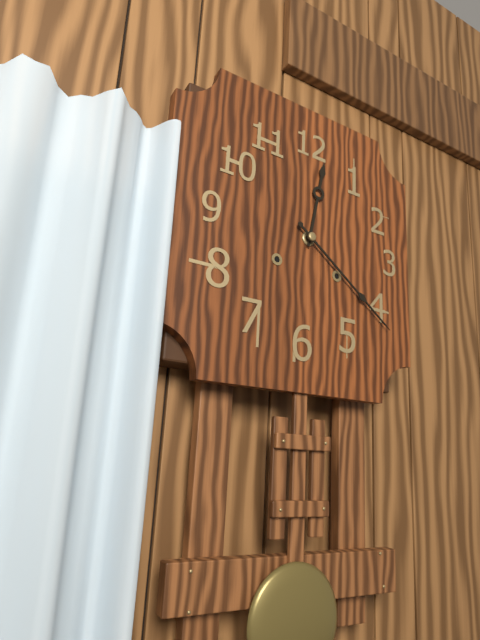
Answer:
12:21
